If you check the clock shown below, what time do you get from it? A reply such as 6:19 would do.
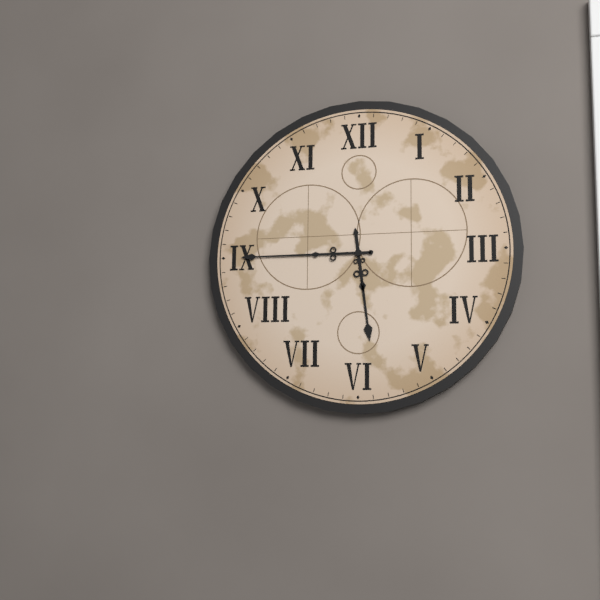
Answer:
5:45
